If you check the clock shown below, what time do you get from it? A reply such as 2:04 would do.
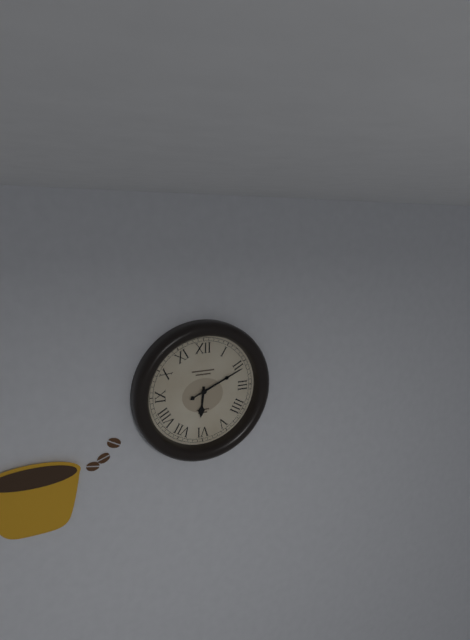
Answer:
6:11
